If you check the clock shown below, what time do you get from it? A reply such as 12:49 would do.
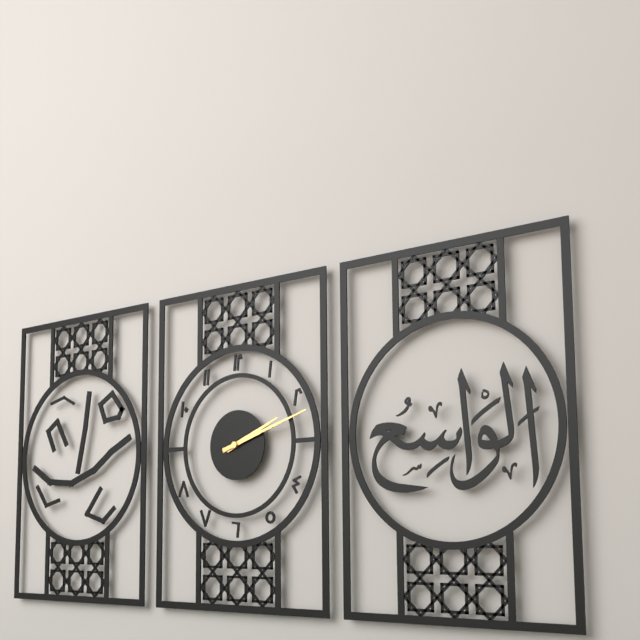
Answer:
2:12
